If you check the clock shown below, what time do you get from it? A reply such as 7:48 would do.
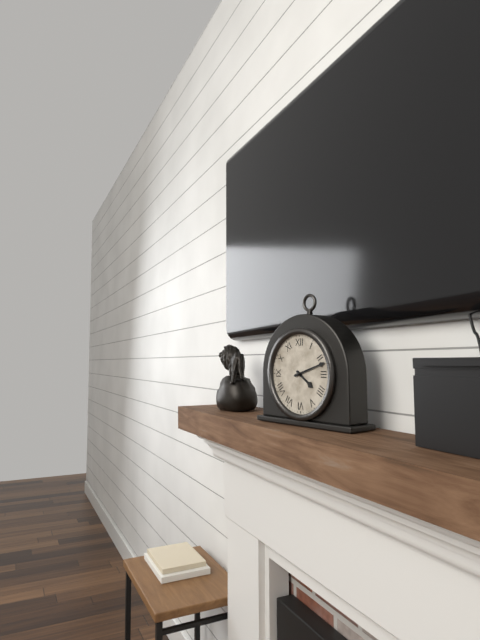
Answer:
4:12
